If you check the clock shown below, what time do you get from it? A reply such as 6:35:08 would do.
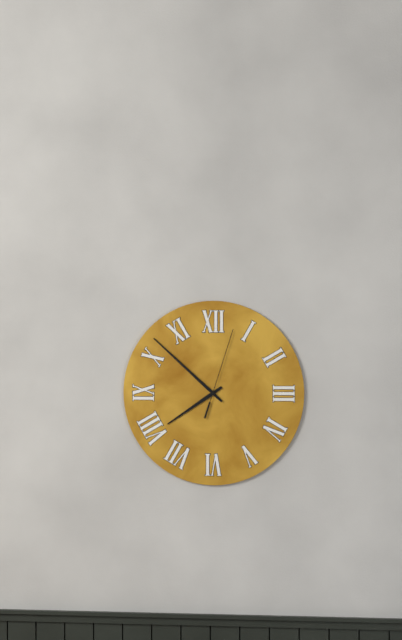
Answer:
7:52:03
